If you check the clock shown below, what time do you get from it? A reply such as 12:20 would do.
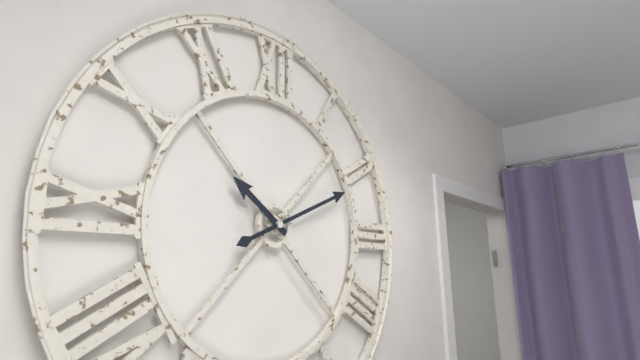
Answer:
10:11
